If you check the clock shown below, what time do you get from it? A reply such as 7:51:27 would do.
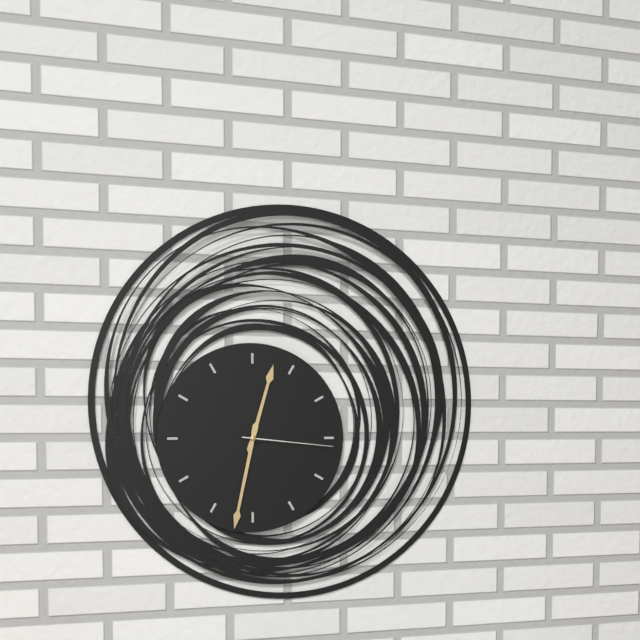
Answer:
12:32:16
